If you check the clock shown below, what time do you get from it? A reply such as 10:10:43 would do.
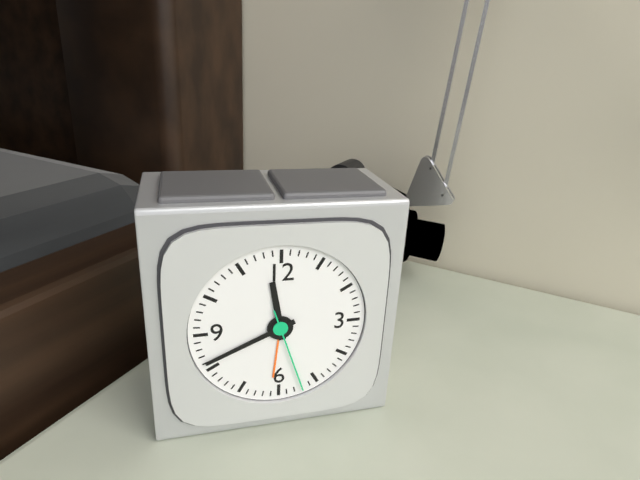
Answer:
11:41:27
